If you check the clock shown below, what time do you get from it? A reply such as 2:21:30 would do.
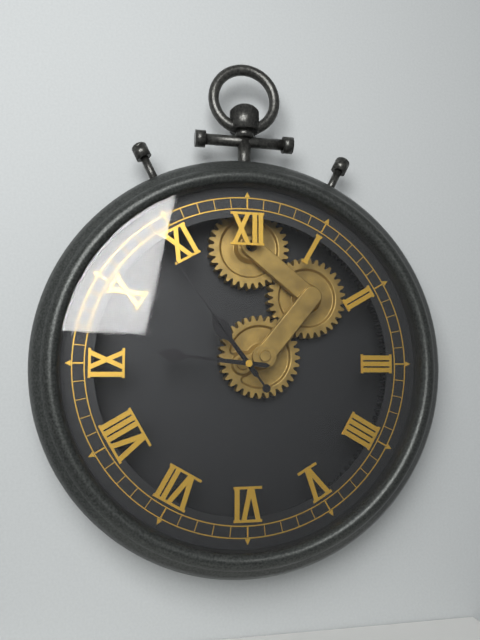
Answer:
10:46:54
